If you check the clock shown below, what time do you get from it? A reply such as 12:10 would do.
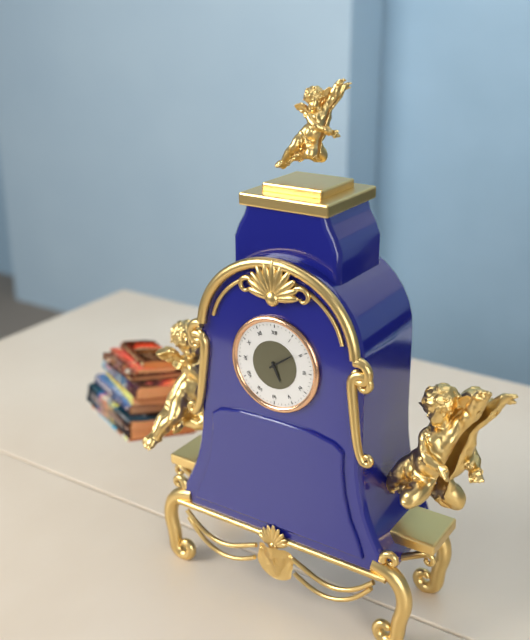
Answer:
5:09
